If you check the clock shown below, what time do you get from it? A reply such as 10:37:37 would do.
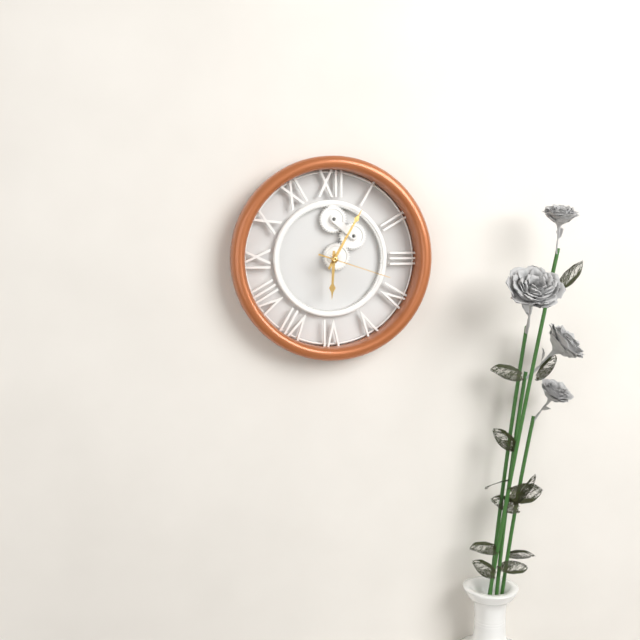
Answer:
6:05:18
